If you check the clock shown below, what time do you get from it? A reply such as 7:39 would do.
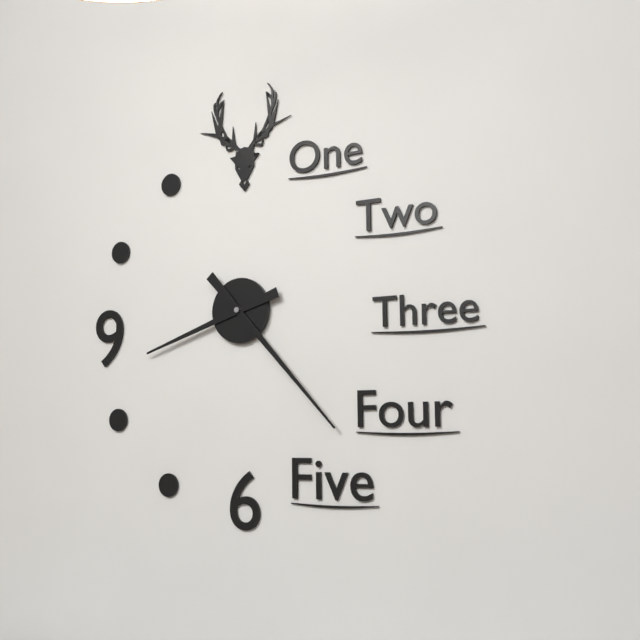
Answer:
8:23
